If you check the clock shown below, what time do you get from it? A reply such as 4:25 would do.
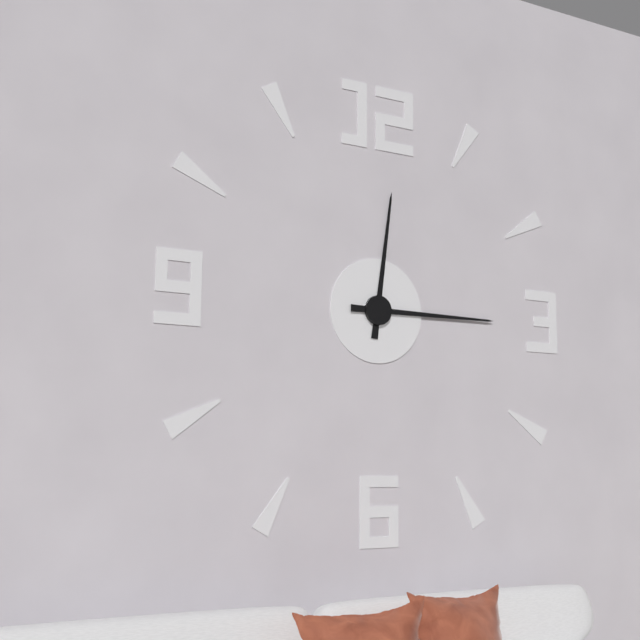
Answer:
12:15
